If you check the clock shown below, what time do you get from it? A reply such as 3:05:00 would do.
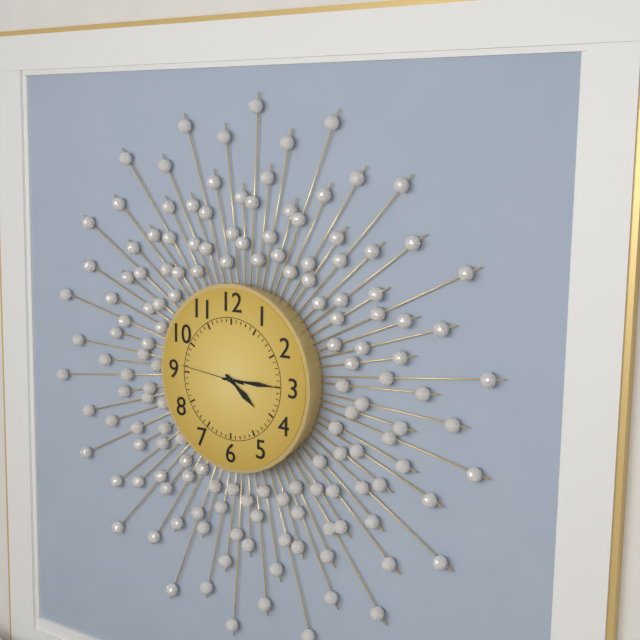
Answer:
4:15:46
